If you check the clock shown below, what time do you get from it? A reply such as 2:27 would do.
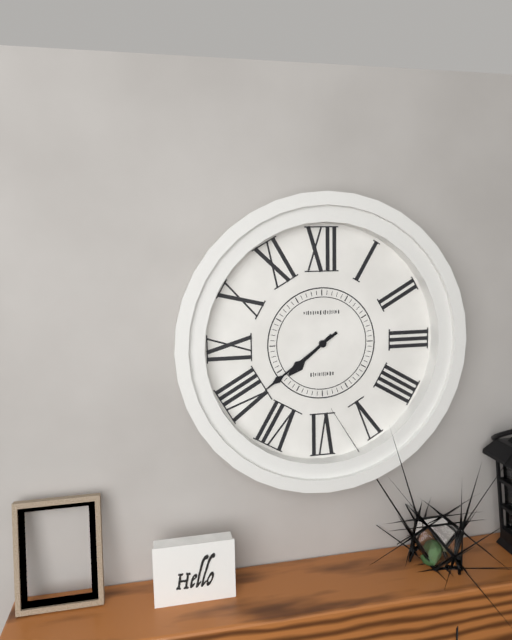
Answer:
7:39
